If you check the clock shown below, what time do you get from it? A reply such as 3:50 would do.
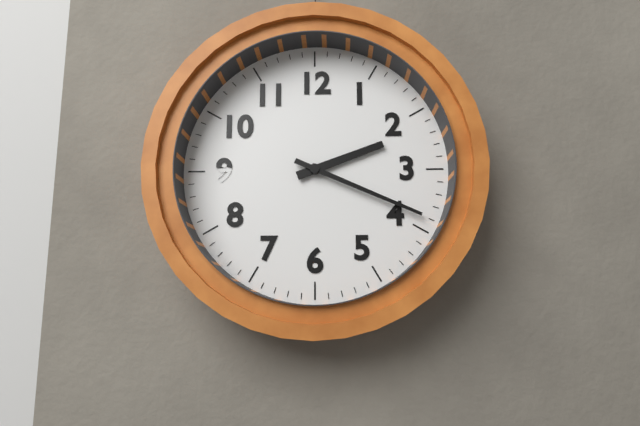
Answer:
2:19
